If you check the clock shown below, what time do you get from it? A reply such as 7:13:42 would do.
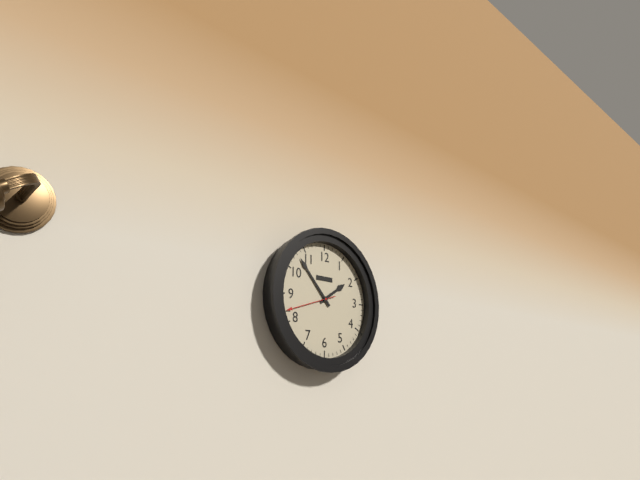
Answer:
1:53:42
